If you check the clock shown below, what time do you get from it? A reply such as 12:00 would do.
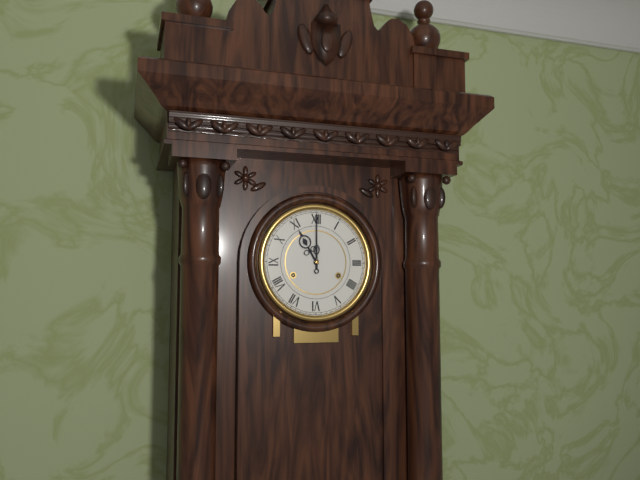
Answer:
11:00
